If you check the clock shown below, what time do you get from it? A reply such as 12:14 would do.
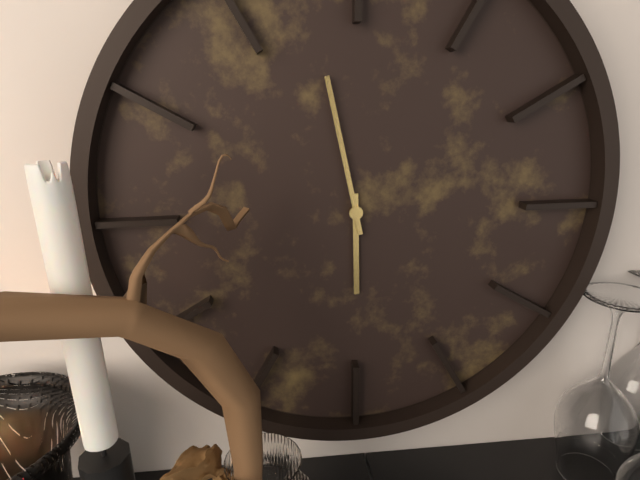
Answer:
5:58
